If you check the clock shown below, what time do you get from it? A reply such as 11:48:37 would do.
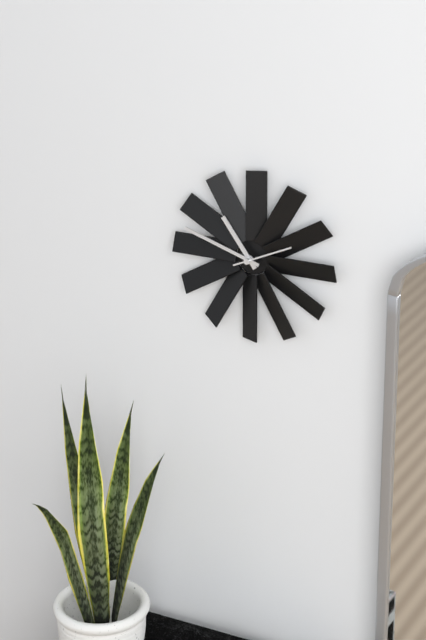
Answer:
10:48:11
